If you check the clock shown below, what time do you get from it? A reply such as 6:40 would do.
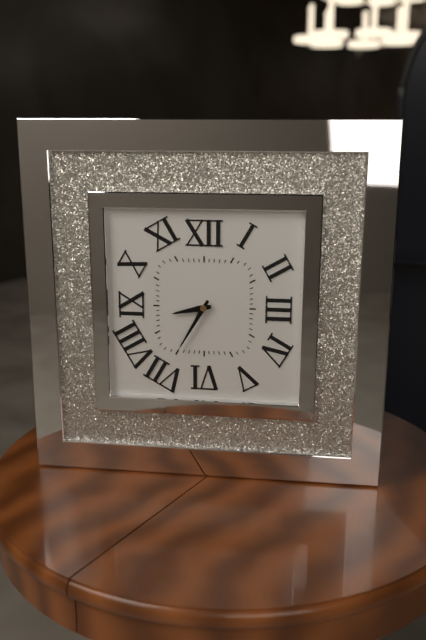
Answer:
8:35
